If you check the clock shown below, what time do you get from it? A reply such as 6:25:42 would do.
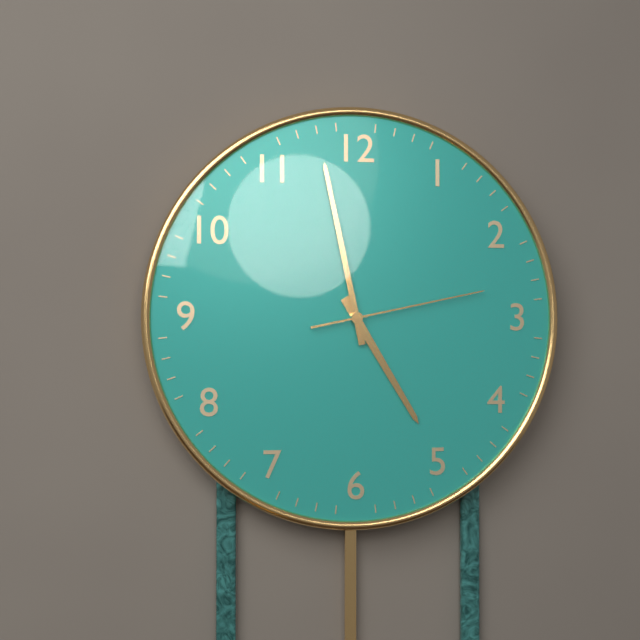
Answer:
4:58:13
